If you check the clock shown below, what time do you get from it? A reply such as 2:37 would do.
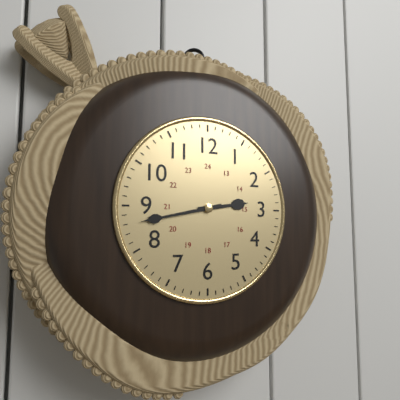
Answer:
2:43
